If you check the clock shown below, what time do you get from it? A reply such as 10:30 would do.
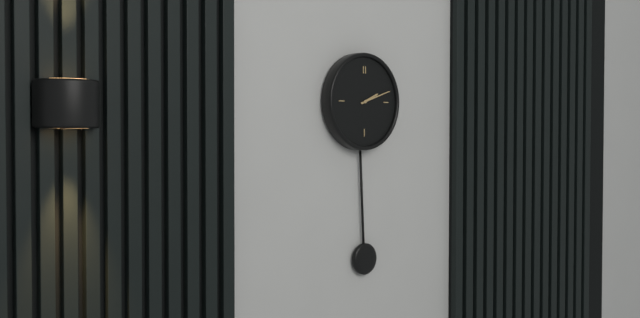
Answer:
2:12
